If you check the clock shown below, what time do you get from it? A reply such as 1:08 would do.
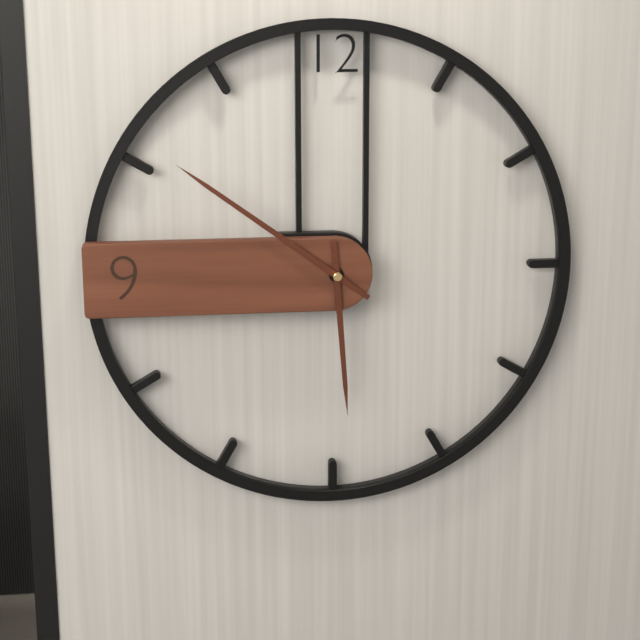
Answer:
5:51
